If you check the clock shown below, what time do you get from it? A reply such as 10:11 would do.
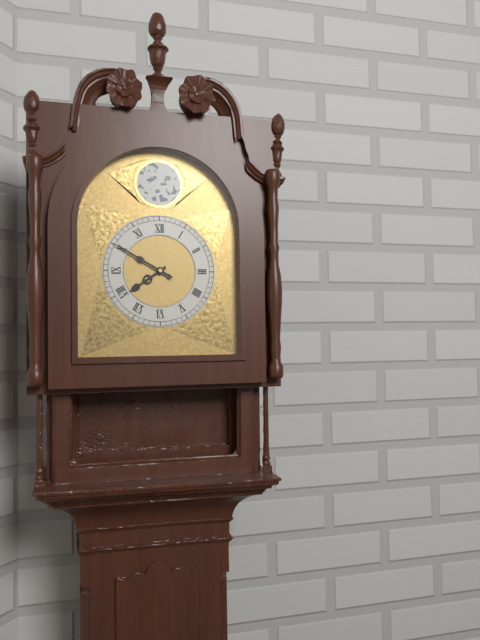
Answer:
7:50
